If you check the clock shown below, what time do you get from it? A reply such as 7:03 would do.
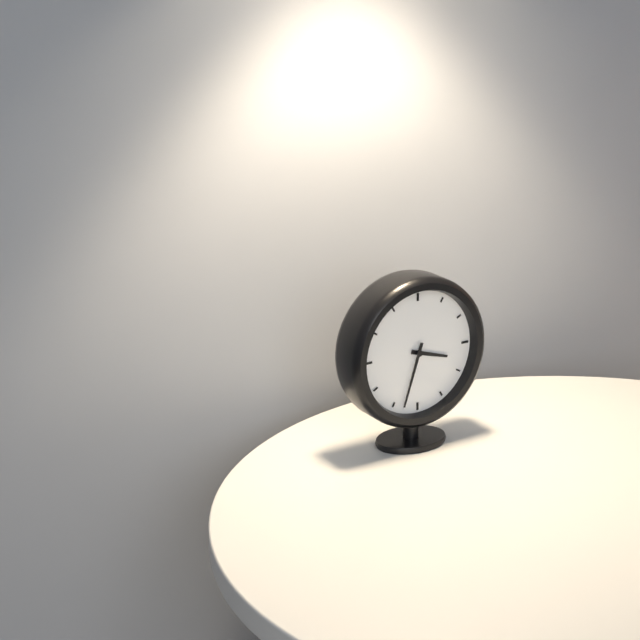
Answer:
3:33
